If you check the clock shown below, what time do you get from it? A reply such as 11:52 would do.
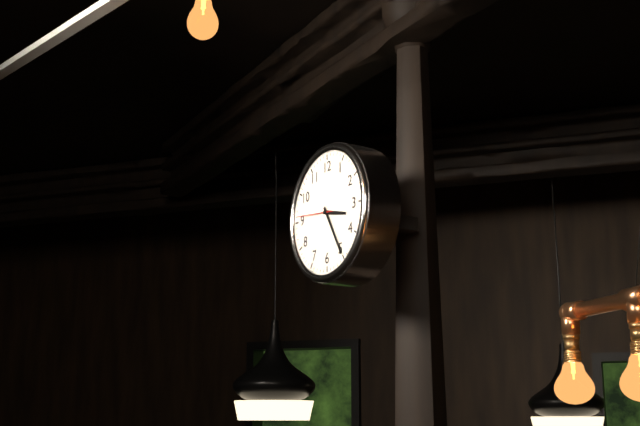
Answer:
3:25
